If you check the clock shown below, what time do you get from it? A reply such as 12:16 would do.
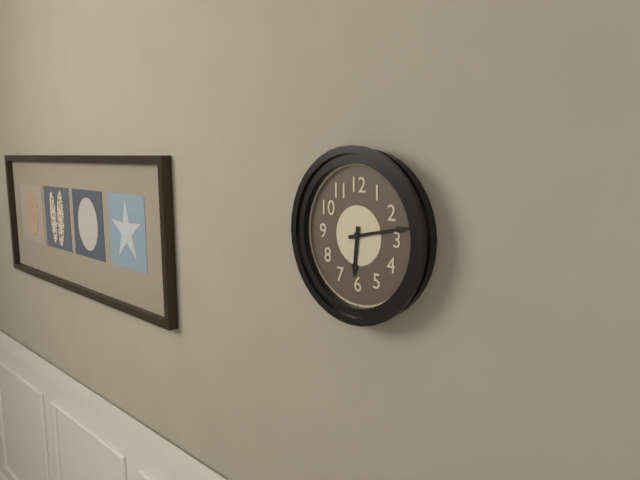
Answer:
6:13
